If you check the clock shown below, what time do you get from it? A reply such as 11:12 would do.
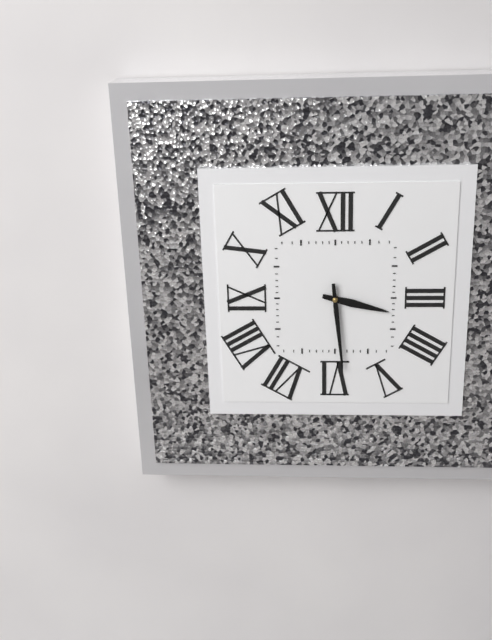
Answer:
3:29
